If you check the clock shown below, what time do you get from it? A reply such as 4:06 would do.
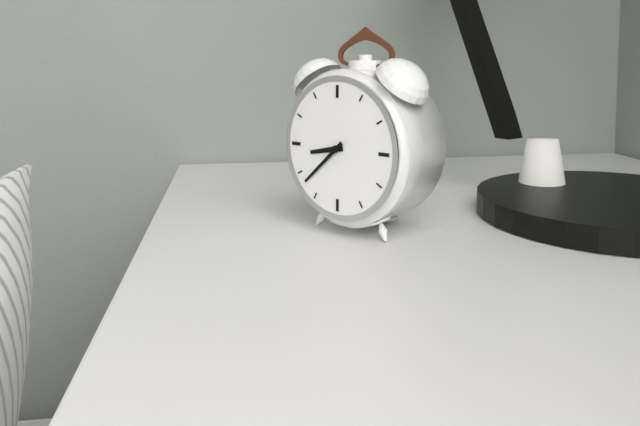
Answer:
8:38
